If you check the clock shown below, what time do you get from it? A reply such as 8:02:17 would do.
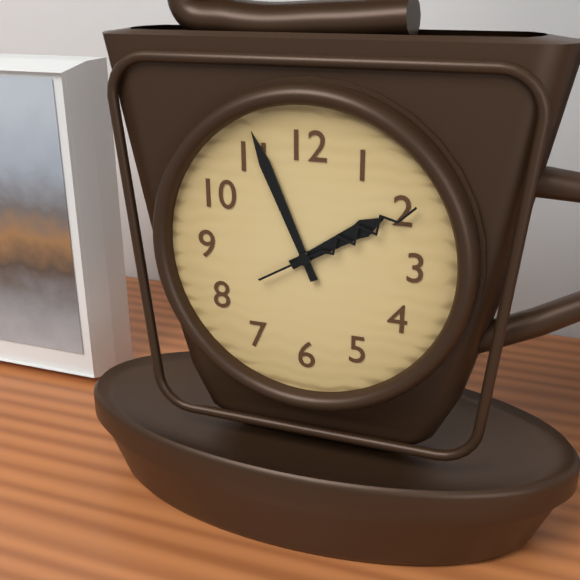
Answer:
1:56:10
